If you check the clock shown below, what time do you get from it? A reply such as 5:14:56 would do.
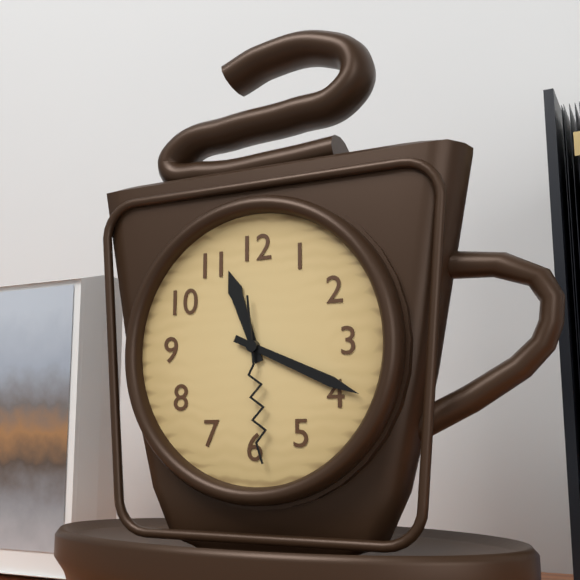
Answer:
11:19:29
